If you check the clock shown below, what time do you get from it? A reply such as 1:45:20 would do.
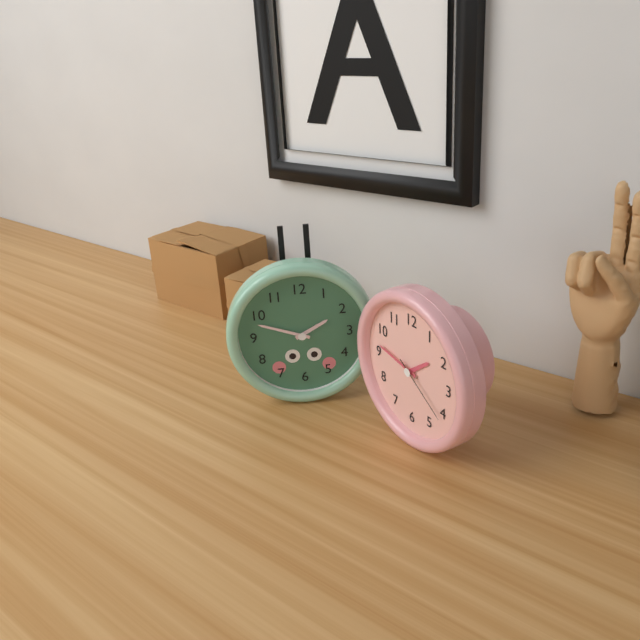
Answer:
1:47:21
